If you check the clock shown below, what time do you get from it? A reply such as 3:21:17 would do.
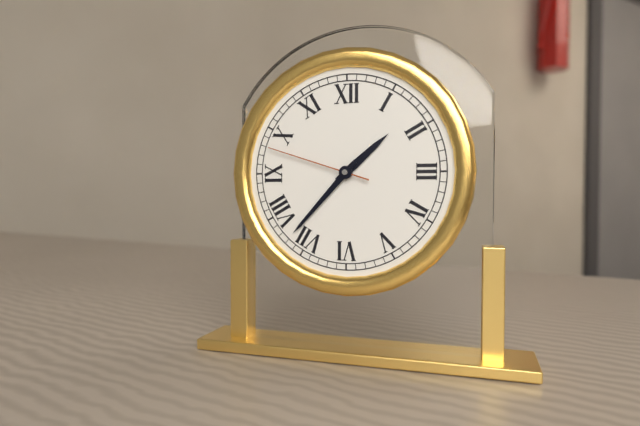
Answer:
1:37:48
